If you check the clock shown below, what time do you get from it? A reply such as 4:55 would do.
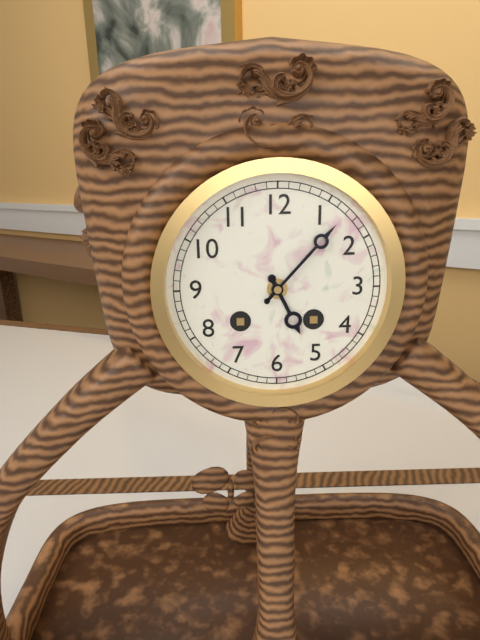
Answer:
5:07
